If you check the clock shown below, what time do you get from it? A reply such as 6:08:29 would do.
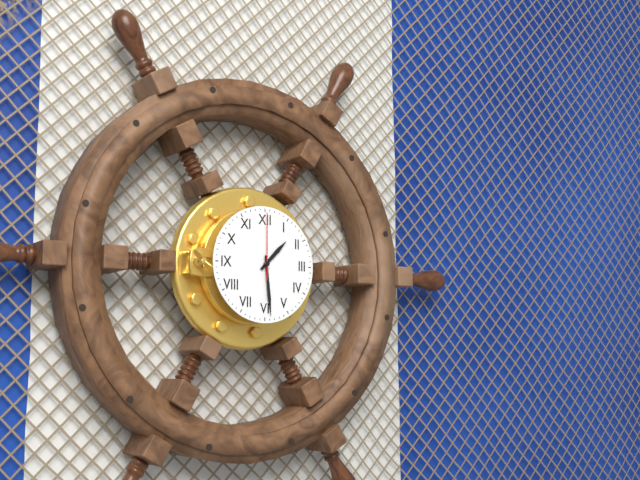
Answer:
1:29:00
